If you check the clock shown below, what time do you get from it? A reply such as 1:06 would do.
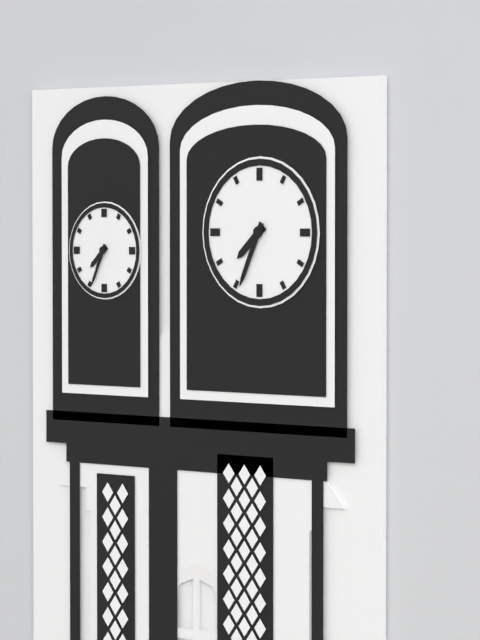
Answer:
7:34
